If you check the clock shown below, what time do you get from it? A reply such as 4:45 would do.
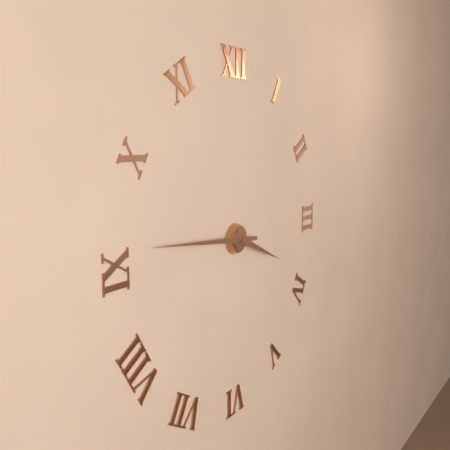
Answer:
3:46
